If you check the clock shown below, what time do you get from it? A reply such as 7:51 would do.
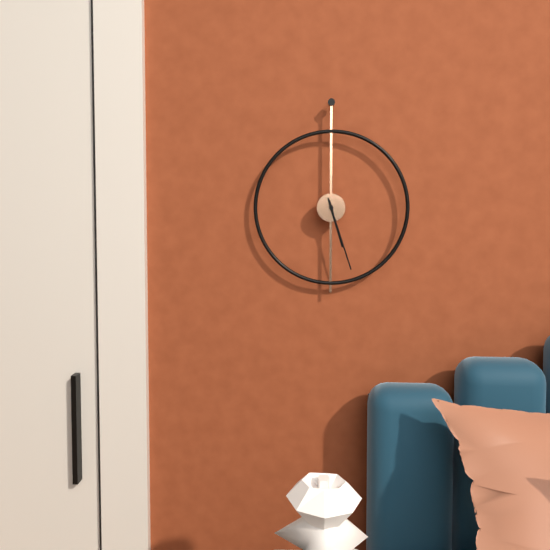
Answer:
5:27
